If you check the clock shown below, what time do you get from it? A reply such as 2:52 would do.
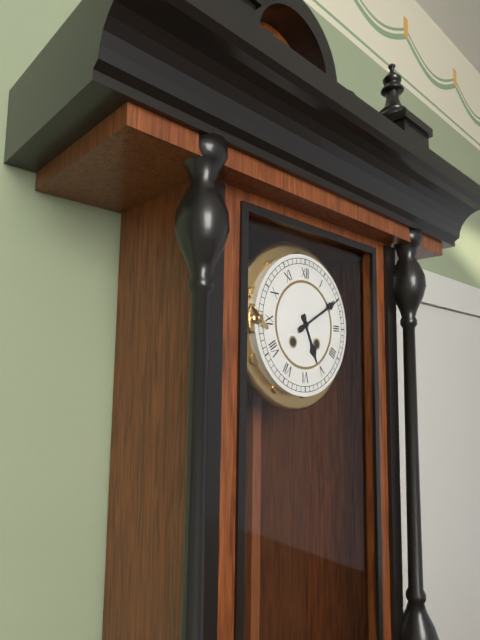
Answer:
5:10
